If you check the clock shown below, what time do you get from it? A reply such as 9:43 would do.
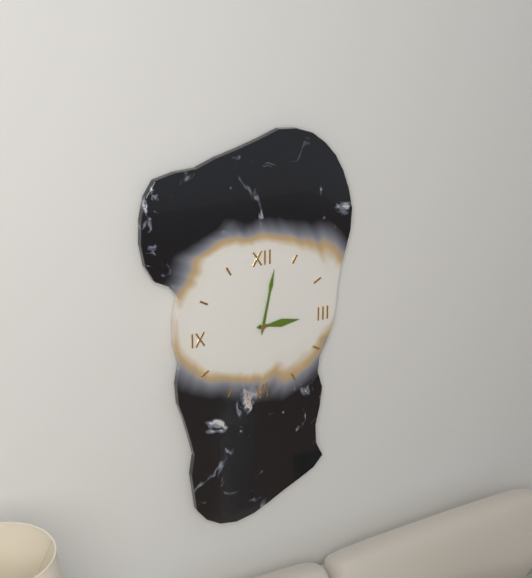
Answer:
3:02
